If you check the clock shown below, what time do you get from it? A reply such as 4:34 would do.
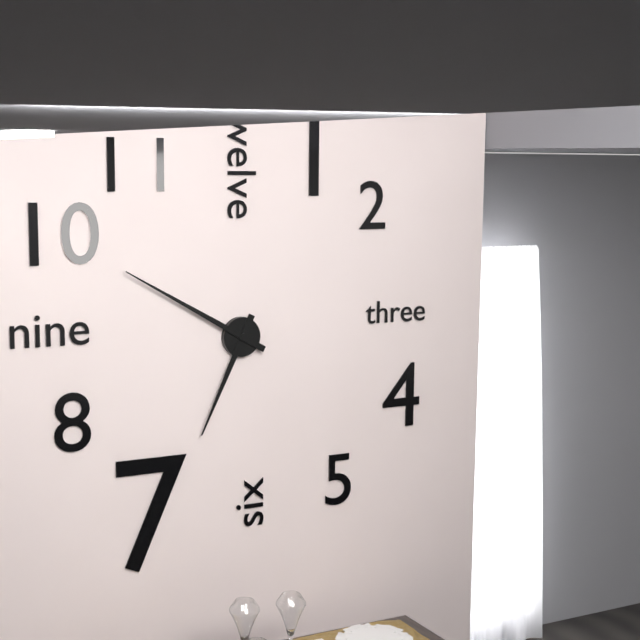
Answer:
6:50
